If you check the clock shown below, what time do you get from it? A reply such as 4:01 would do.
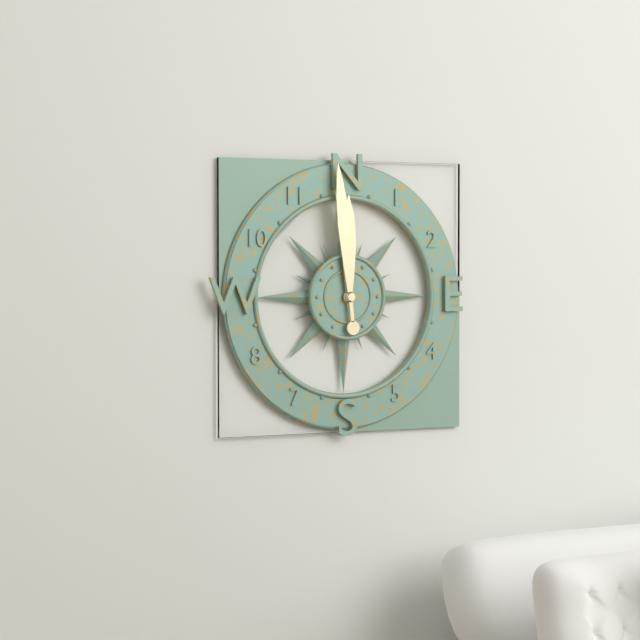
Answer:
11:59
